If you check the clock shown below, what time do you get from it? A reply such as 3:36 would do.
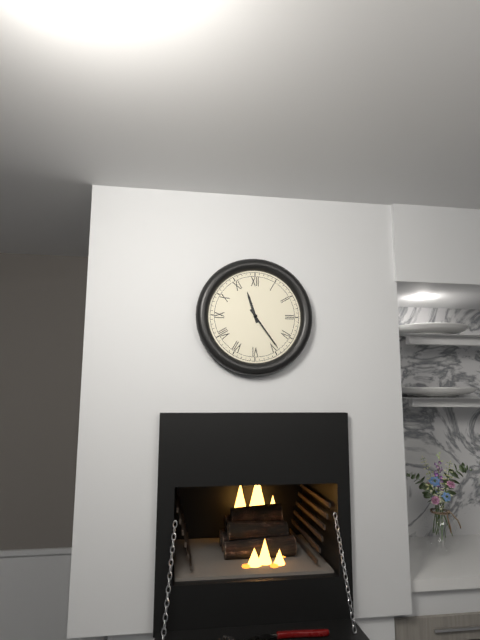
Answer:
11:24
